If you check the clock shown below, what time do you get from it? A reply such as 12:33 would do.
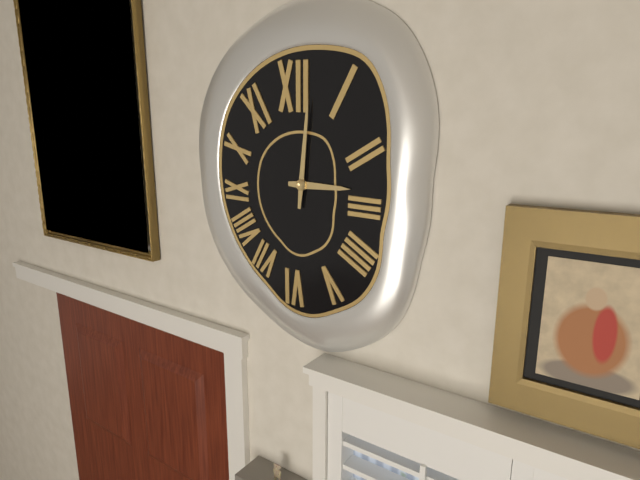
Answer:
3:01
